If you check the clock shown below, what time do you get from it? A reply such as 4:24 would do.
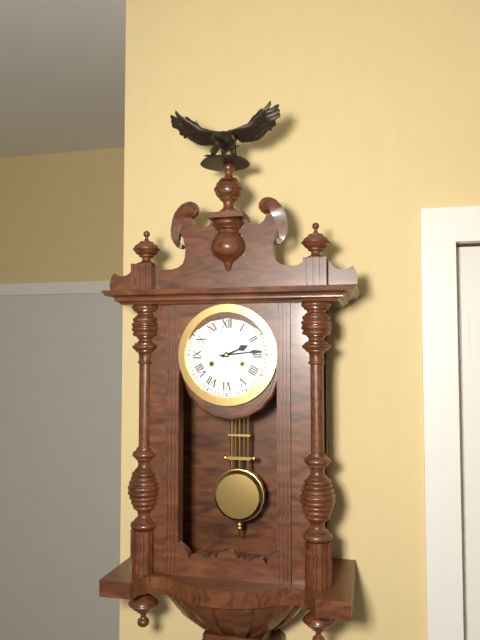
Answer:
2:14
